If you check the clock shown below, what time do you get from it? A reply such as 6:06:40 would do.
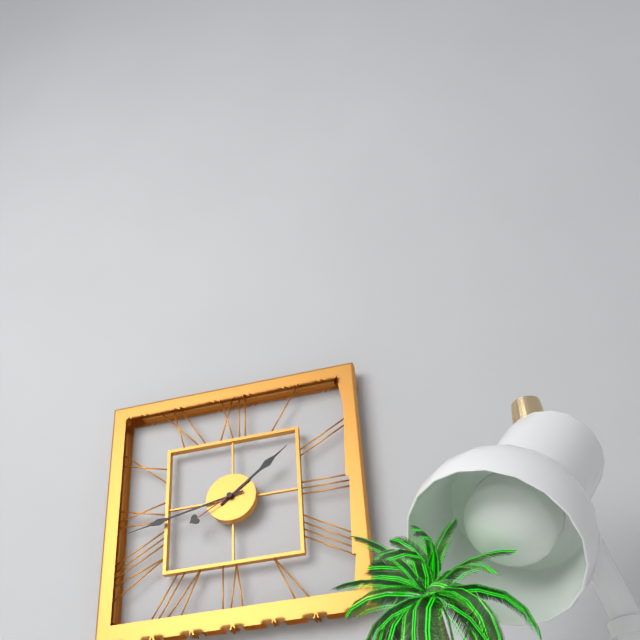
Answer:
1:43:40
